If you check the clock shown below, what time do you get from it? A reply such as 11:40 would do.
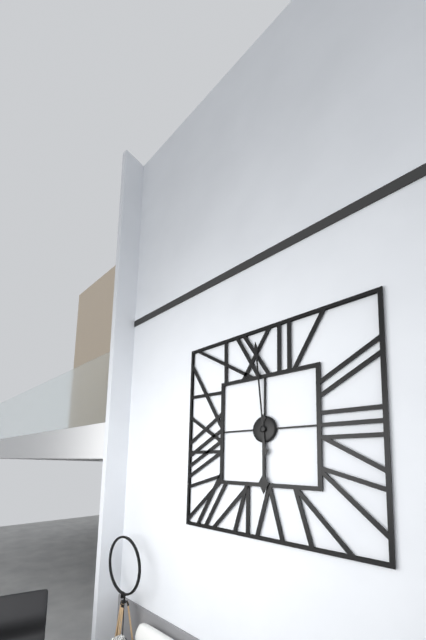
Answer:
5:59
